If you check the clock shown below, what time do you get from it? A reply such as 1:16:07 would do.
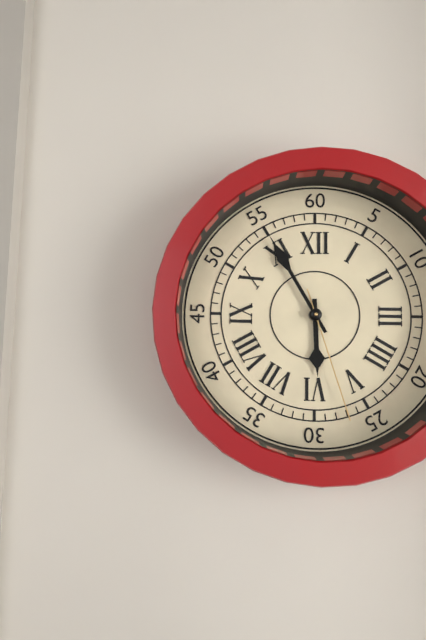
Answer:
5:55:27
